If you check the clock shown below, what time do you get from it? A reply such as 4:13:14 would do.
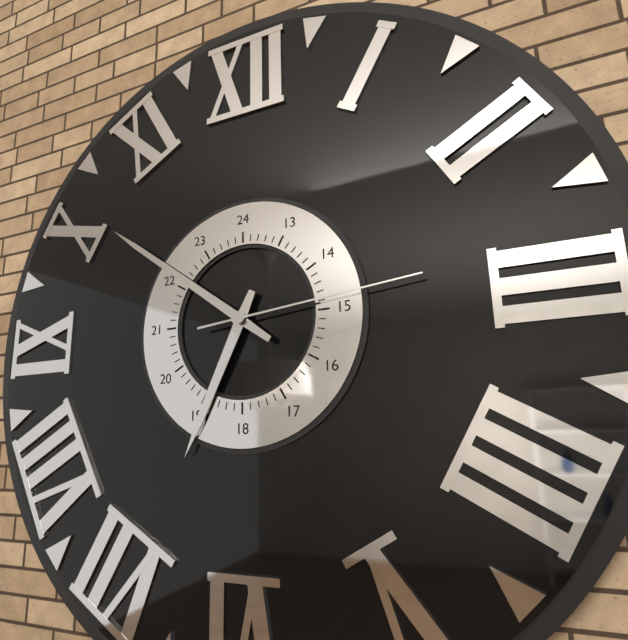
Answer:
6:51:14
